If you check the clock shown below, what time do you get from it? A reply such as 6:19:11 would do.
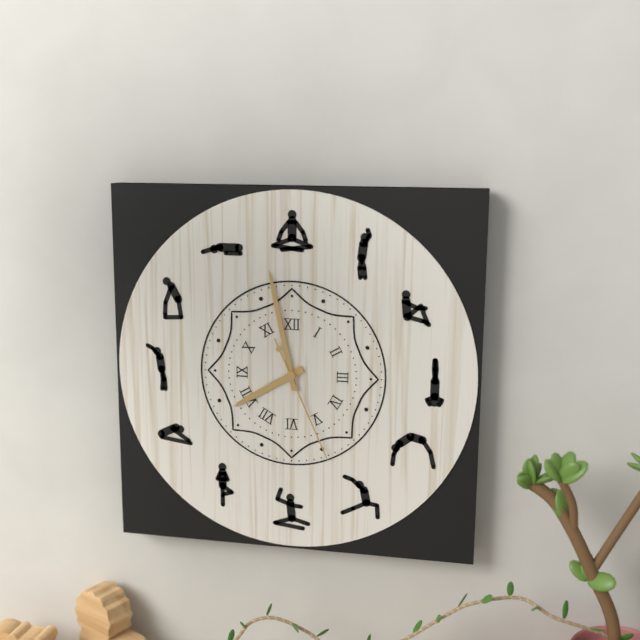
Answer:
7:58:26
